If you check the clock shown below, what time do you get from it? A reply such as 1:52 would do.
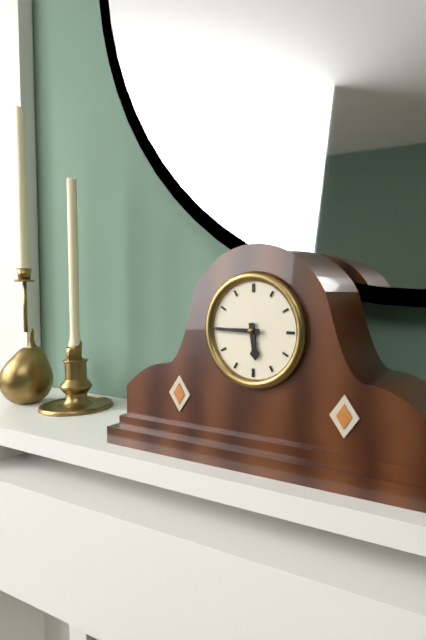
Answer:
5:45
